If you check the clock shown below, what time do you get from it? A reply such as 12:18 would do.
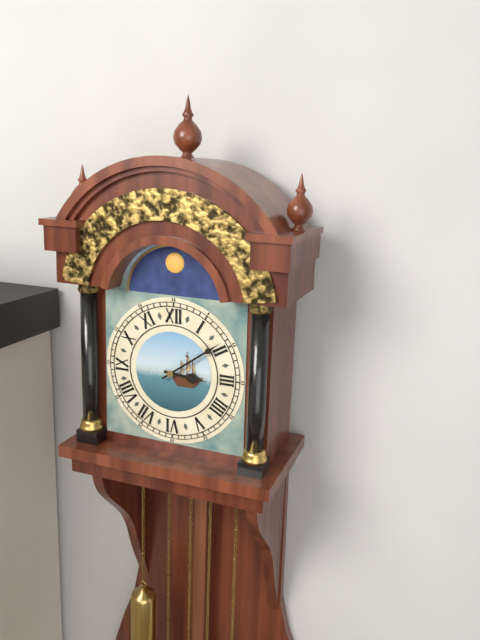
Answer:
3:09
